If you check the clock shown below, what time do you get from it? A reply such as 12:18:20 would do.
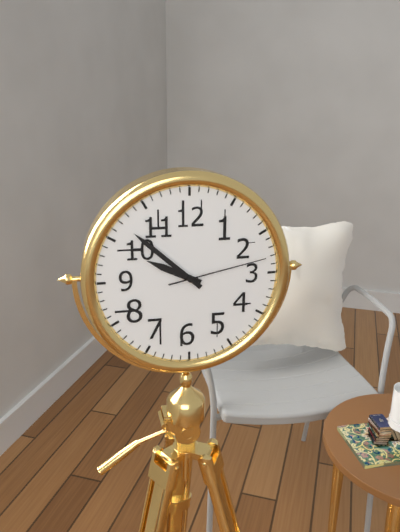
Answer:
9:52:13
